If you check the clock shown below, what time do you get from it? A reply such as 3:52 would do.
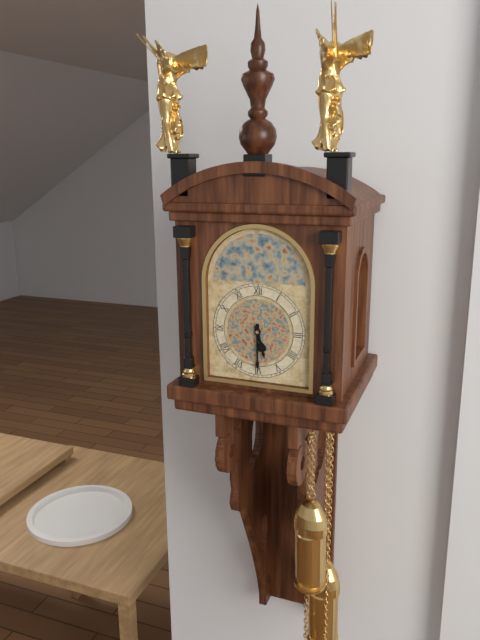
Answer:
5:30
